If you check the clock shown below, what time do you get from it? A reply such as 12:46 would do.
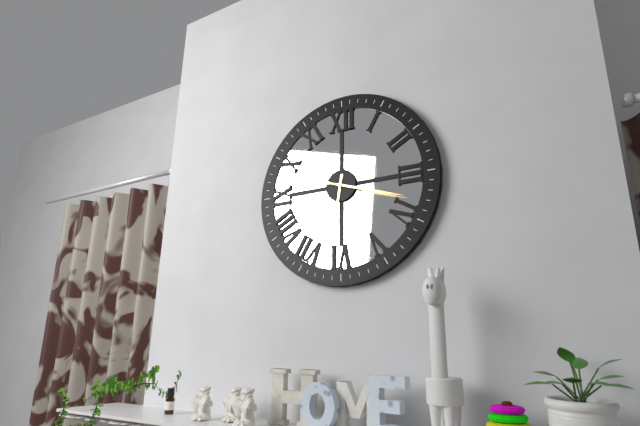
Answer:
6:18
